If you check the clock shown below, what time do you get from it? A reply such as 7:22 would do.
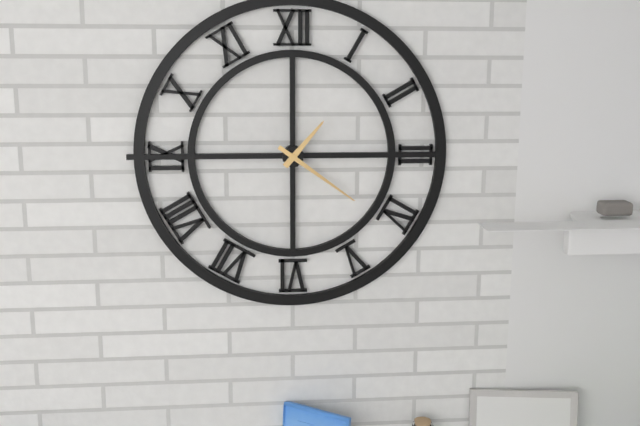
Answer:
1:21
